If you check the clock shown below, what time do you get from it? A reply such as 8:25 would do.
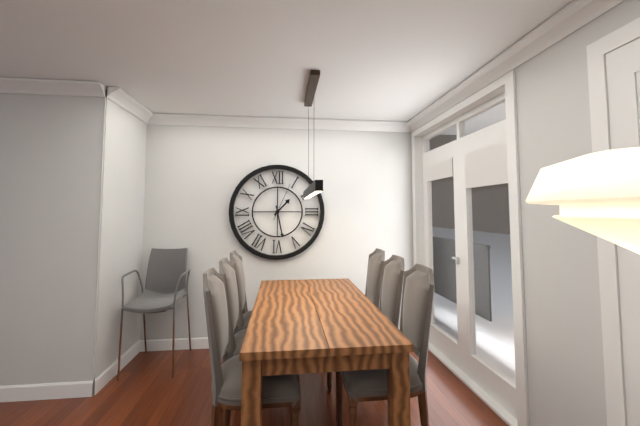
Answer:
1:28
